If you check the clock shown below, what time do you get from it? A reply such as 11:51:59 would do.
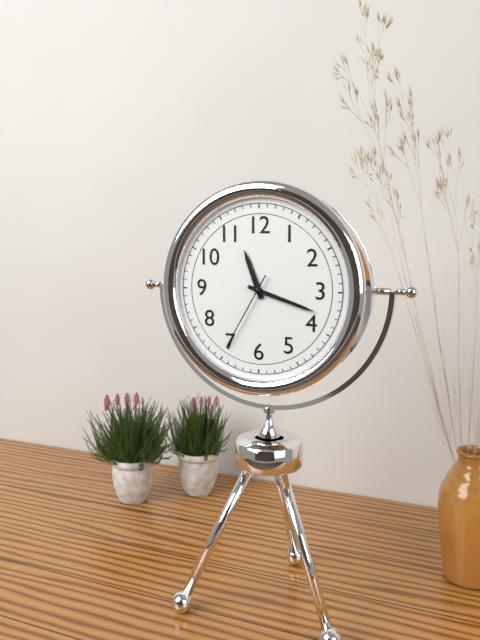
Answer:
11:18:35
